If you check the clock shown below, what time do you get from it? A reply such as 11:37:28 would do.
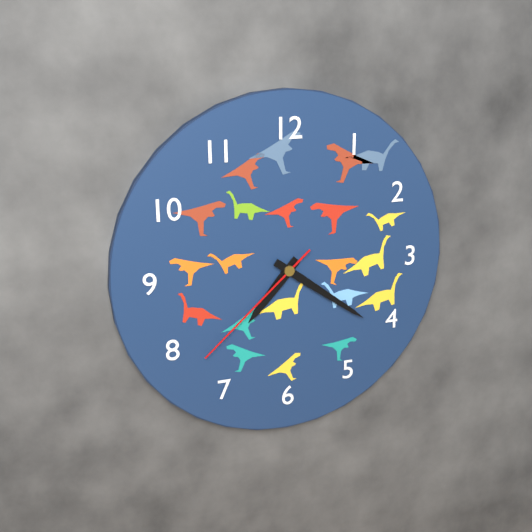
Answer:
7:21:38
